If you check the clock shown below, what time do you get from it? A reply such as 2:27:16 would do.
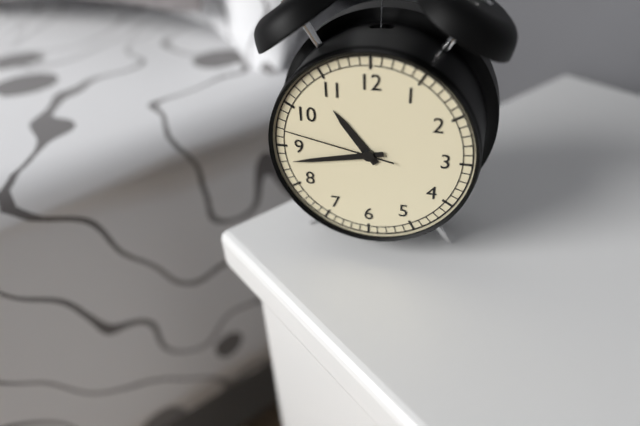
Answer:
10:43:47
